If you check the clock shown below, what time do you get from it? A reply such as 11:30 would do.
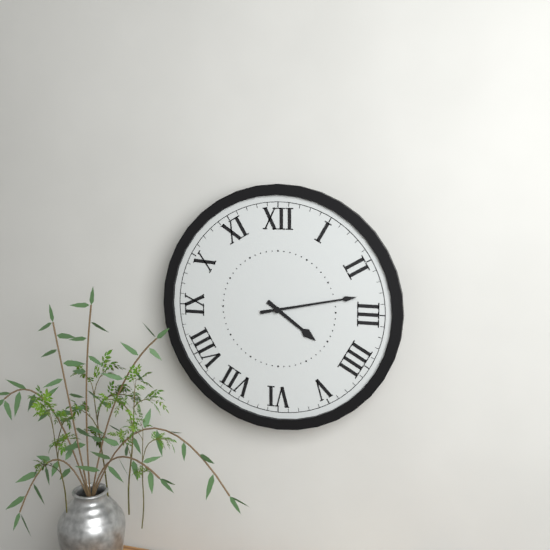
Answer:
4:13
